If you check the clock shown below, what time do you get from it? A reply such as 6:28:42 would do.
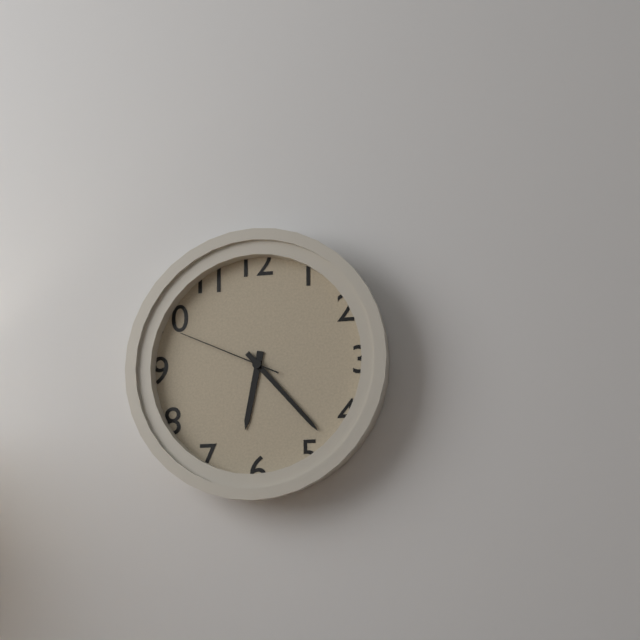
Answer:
6:23:49
